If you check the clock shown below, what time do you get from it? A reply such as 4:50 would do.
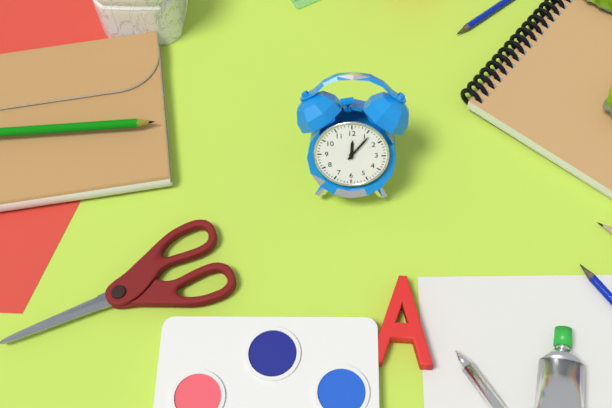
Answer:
12:06
